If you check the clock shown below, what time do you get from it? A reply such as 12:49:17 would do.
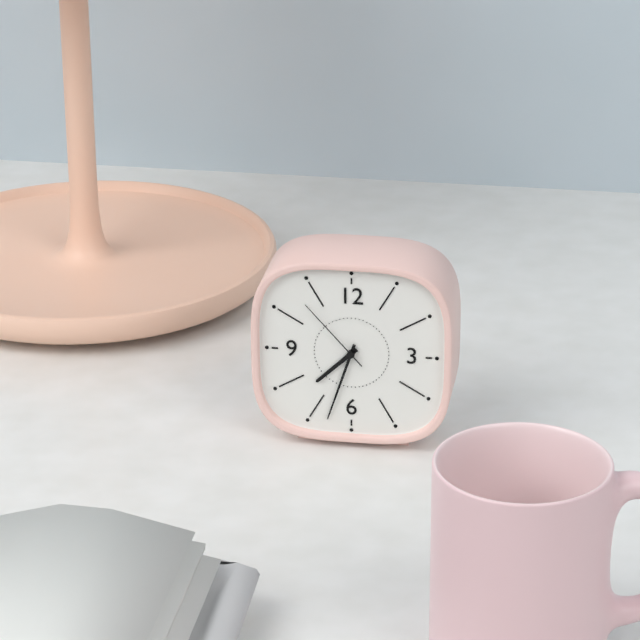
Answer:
7:33:53
